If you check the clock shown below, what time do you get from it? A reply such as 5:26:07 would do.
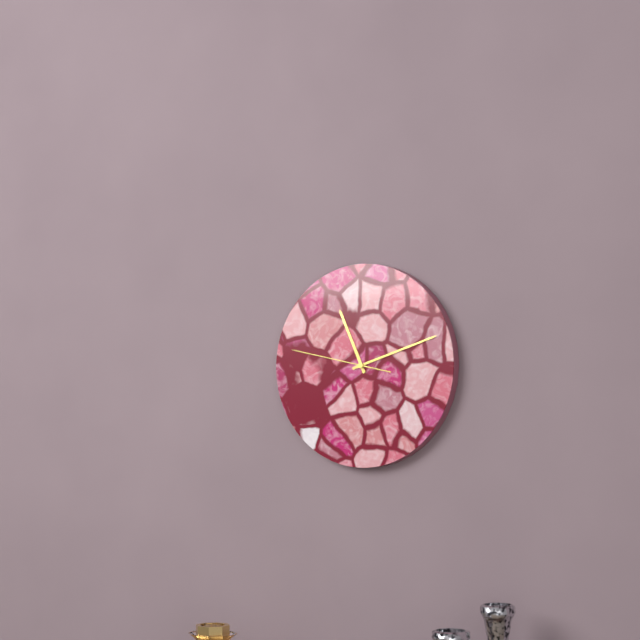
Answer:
11:12:47
